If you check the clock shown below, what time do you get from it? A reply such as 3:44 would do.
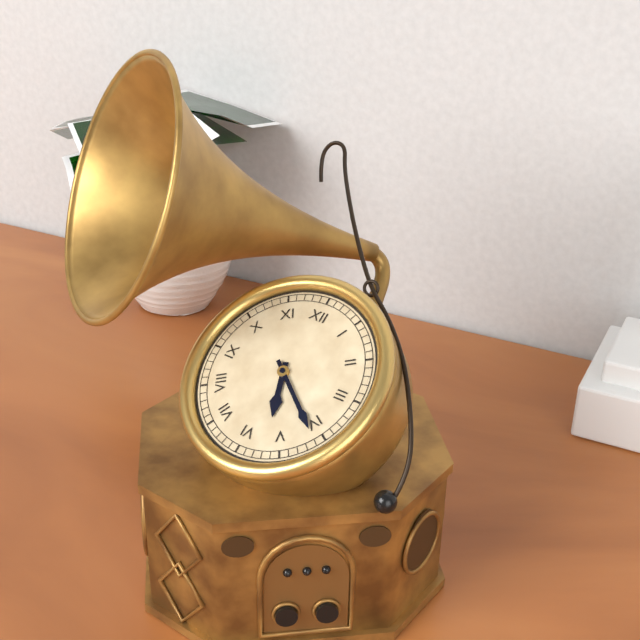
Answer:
5:21
